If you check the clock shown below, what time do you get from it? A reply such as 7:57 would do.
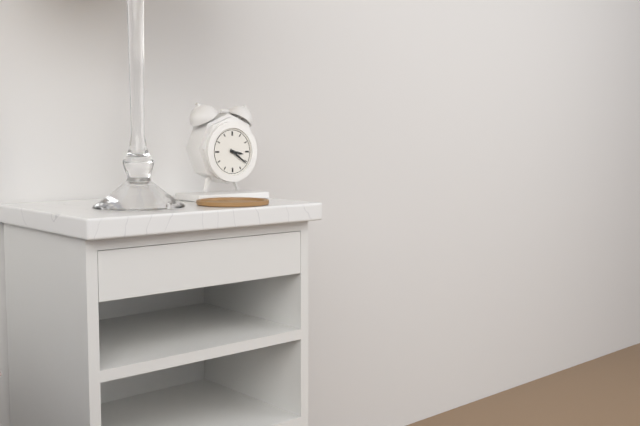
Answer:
3:21
